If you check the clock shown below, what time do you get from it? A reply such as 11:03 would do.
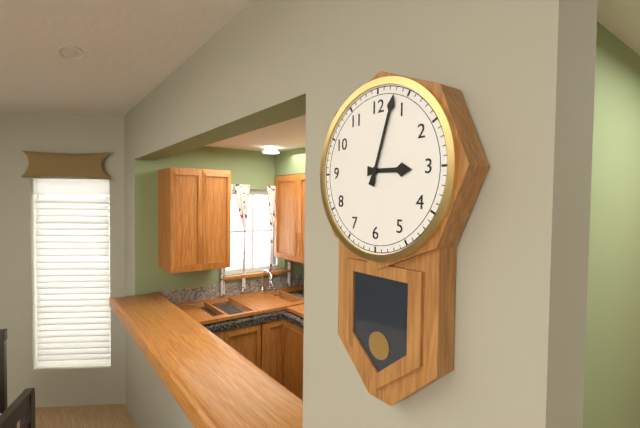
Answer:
3:03
